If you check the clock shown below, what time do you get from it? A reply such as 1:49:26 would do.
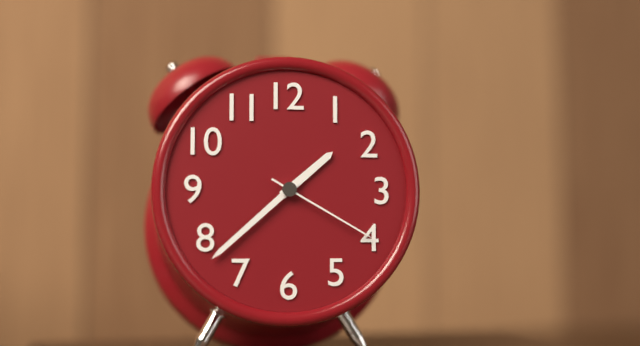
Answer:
1:38:20
